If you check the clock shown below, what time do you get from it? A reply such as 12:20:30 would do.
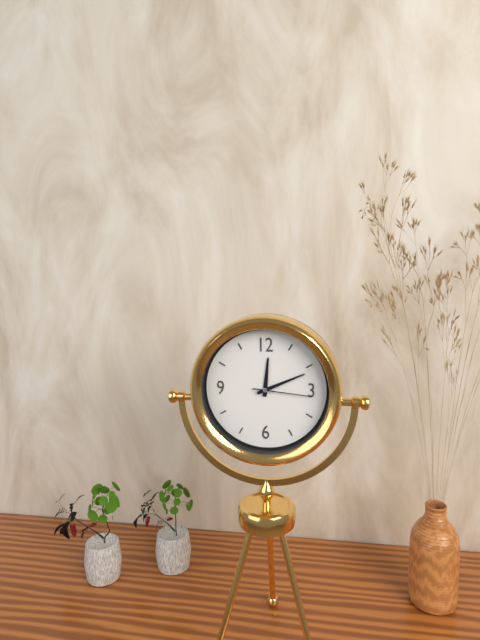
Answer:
12:11:16
